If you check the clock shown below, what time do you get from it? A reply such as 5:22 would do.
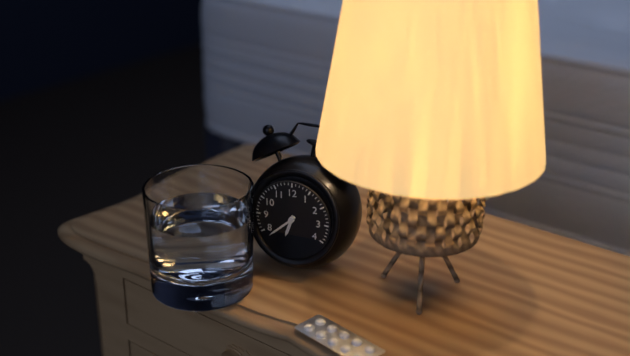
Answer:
6:38
